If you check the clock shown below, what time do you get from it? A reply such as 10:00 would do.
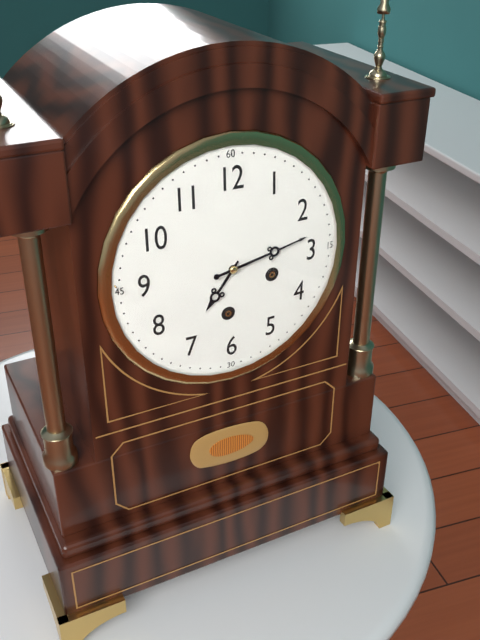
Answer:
7:13
